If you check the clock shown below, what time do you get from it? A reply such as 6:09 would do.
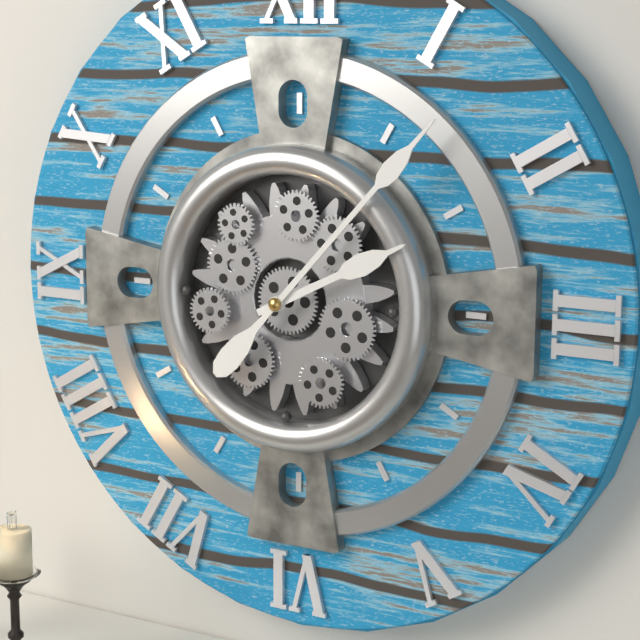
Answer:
2:07
